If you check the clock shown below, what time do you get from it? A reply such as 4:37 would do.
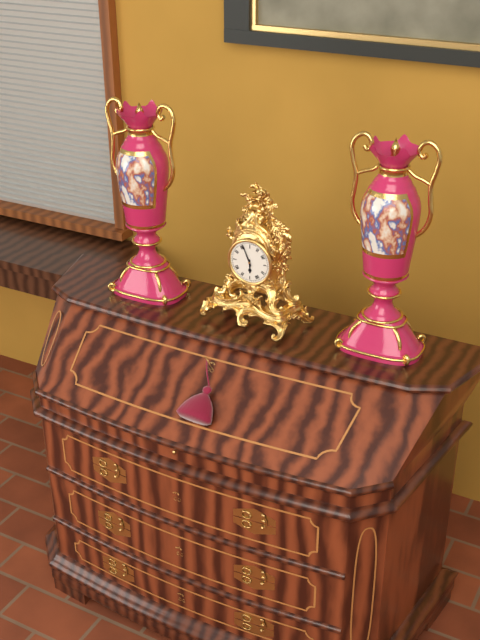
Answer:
5:56
